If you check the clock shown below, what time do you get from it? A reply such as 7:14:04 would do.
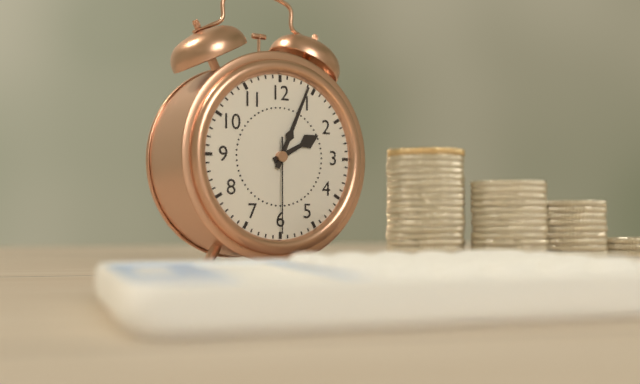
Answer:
2:04:30
